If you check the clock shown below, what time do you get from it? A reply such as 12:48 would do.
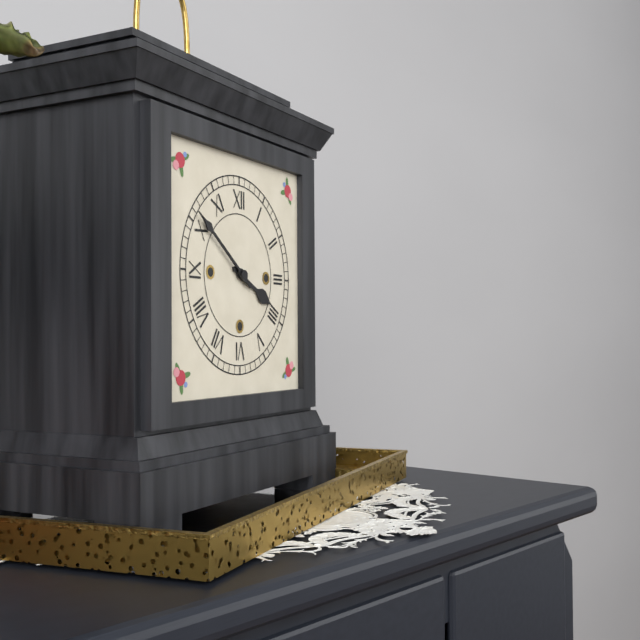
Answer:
3:51
